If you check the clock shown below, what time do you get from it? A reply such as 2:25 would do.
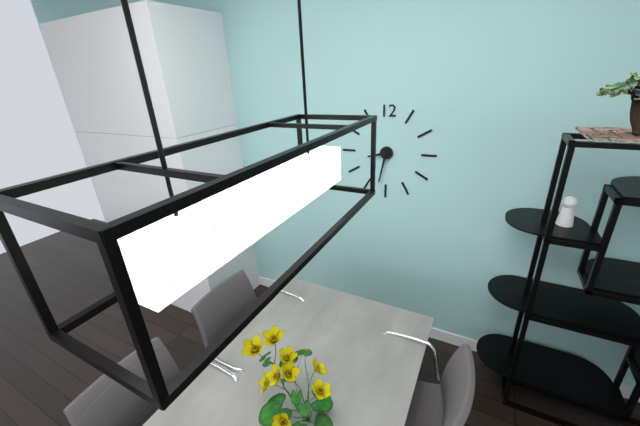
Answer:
8:32
